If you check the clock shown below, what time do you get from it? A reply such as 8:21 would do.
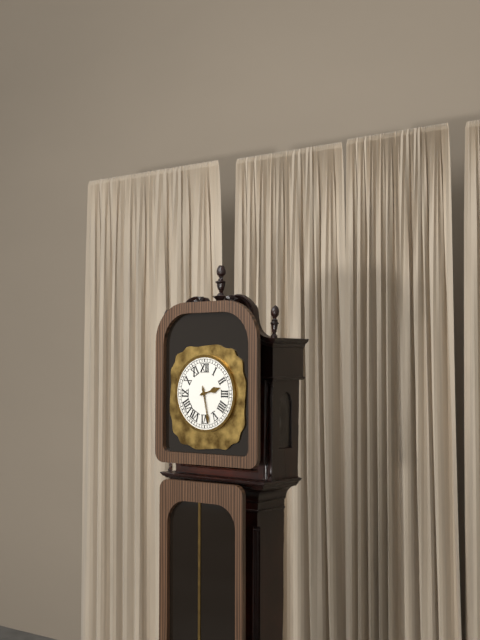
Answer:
2:28
